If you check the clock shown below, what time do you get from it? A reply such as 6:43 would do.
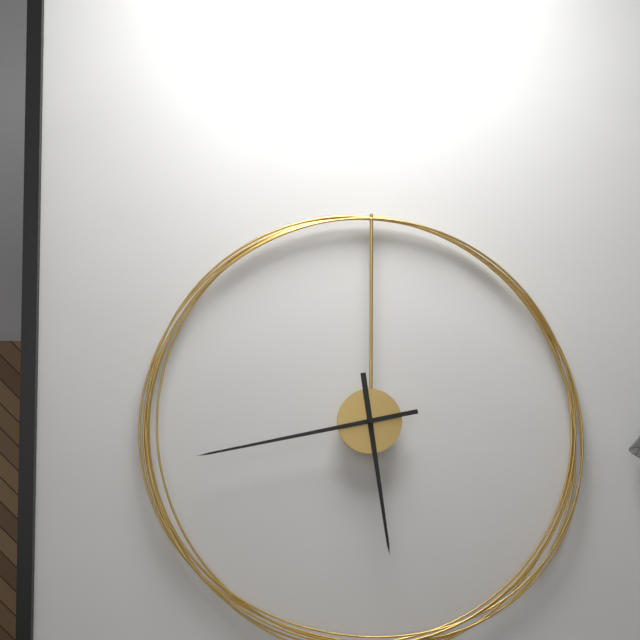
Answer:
5:43
